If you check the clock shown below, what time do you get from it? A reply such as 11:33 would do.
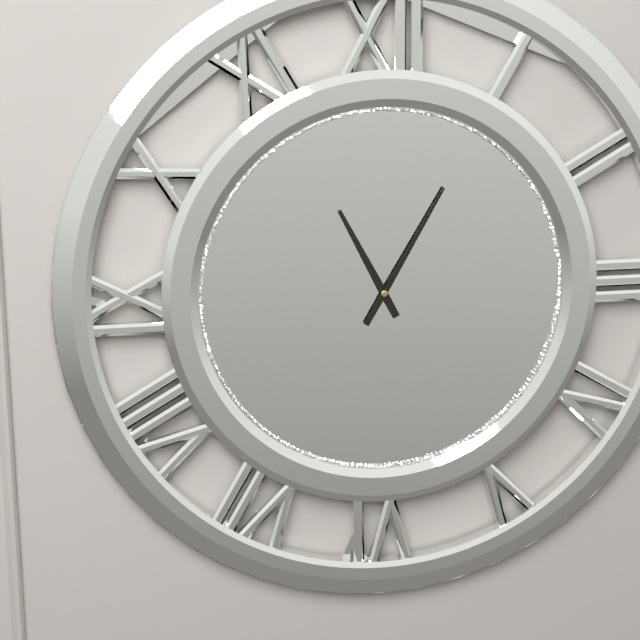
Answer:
11:05
